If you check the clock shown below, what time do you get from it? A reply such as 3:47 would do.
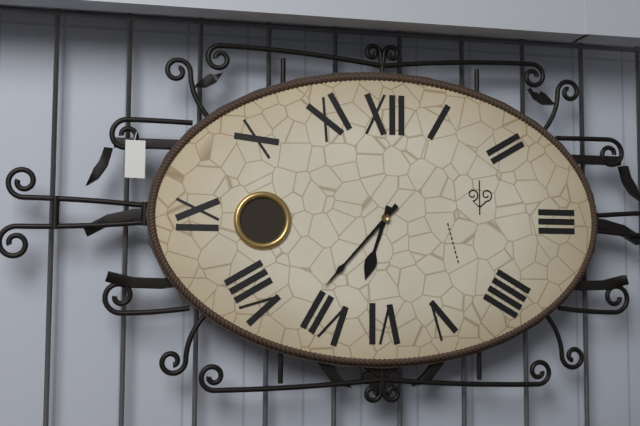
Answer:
6:37
